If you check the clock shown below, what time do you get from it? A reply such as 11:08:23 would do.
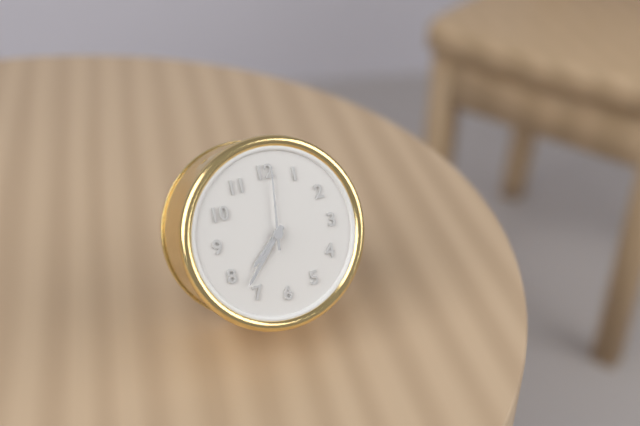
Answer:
7:37:01
